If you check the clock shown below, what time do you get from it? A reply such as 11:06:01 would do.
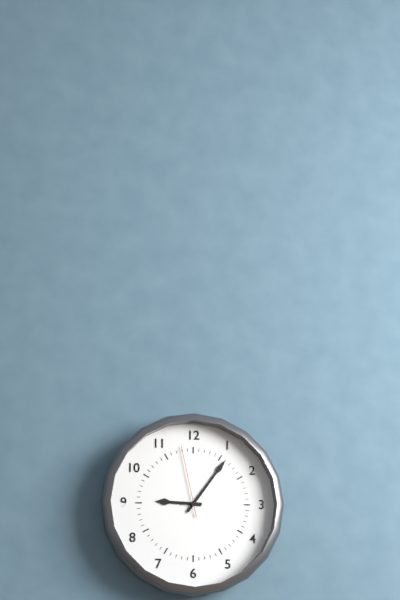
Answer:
9:06:58
